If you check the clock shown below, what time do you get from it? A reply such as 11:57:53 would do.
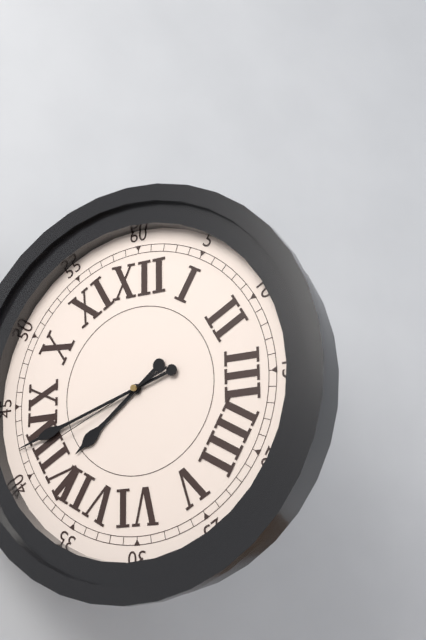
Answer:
7:42:41
